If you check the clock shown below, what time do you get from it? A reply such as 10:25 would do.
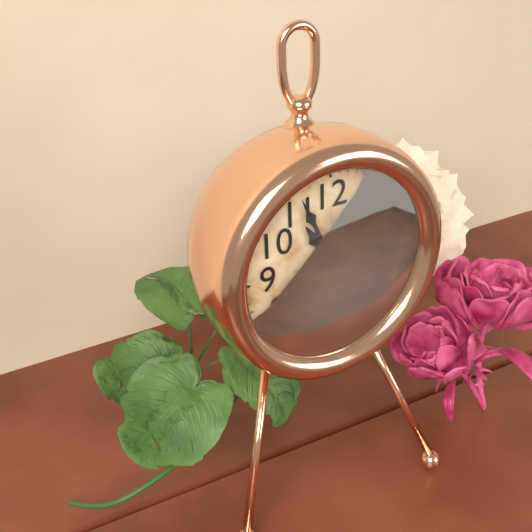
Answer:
10:56
